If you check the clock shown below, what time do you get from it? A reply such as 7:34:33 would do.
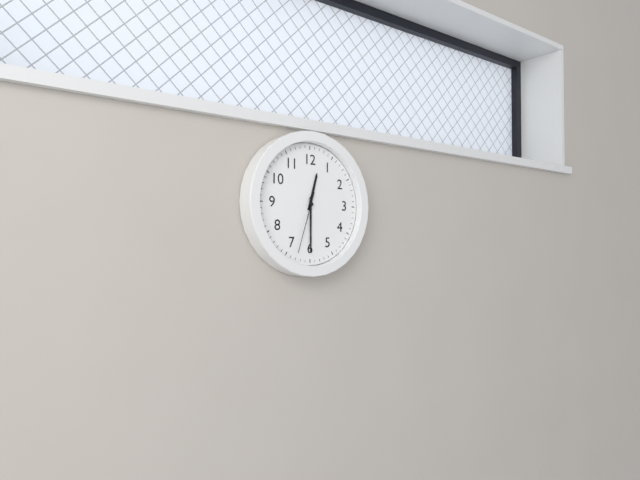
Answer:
12:30:33
